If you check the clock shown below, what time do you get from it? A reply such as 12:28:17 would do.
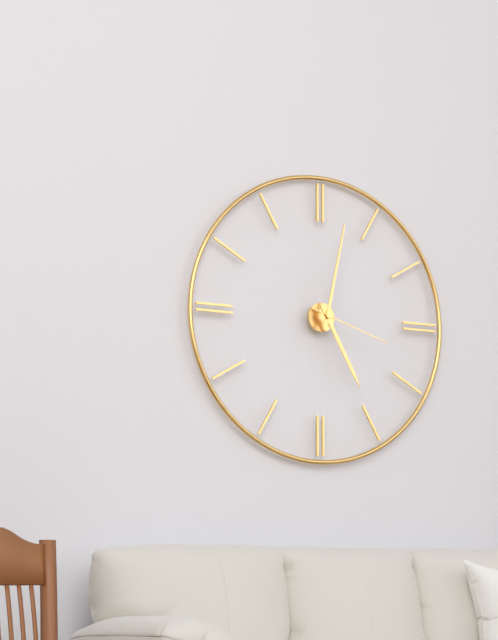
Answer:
5:02:18
